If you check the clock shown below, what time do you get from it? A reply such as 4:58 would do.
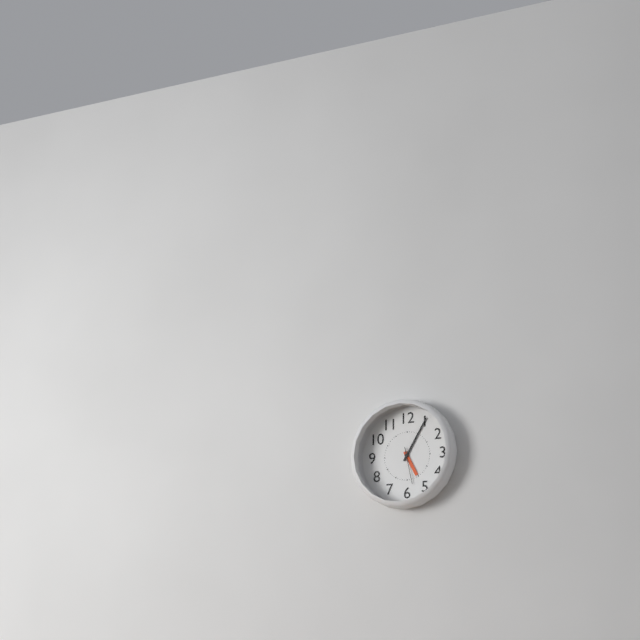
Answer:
5:05
